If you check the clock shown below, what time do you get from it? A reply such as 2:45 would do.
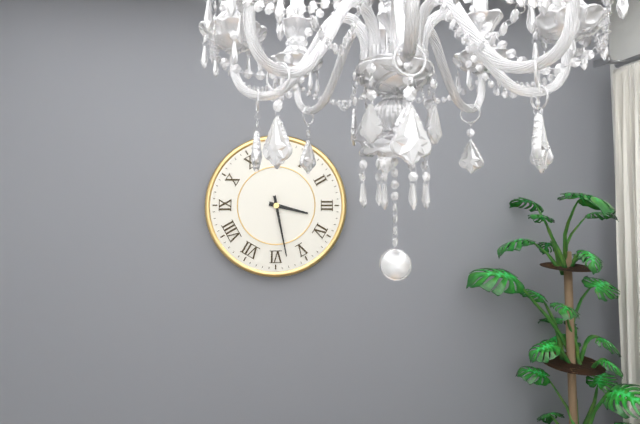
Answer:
3:28
